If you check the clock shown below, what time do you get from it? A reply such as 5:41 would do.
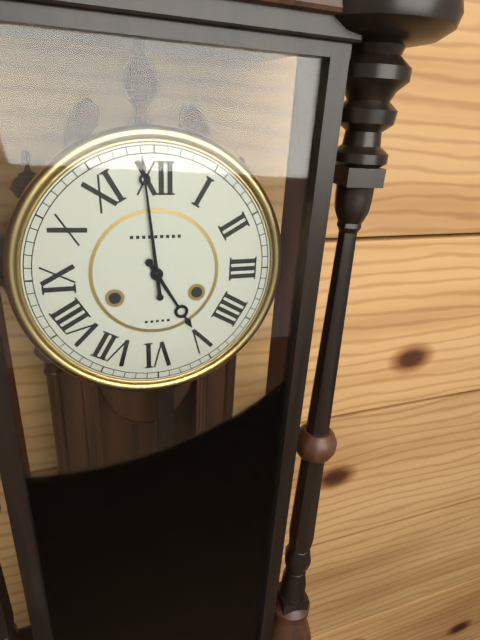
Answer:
4:59
